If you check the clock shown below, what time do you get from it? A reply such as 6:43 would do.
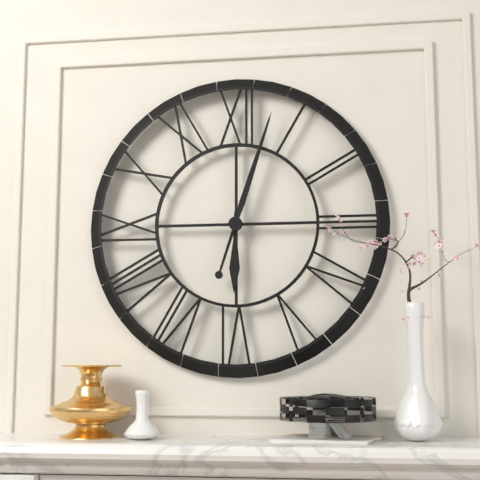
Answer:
6:03
